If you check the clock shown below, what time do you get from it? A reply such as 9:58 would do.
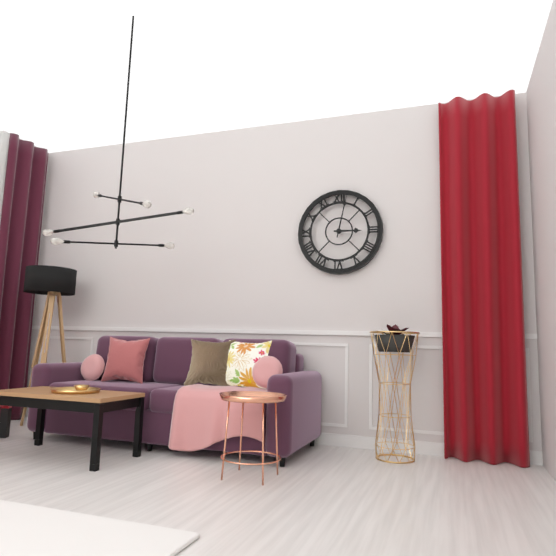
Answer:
3:02
